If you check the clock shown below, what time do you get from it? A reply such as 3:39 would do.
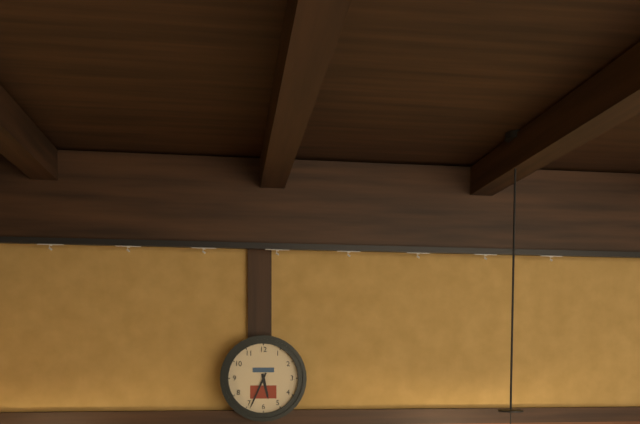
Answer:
5:34
